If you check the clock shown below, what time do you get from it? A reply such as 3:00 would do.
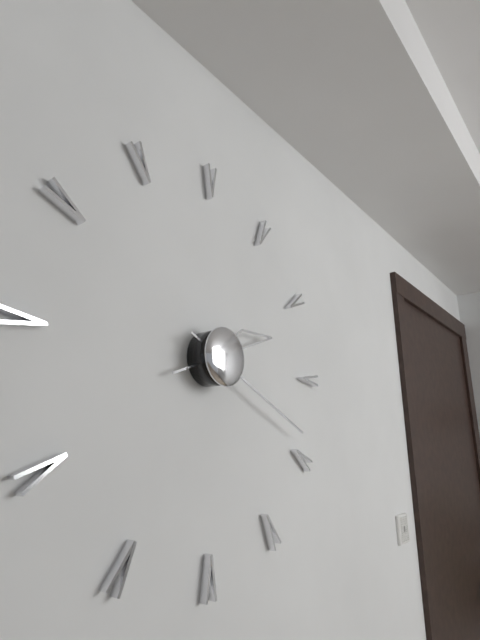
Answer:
2:19
